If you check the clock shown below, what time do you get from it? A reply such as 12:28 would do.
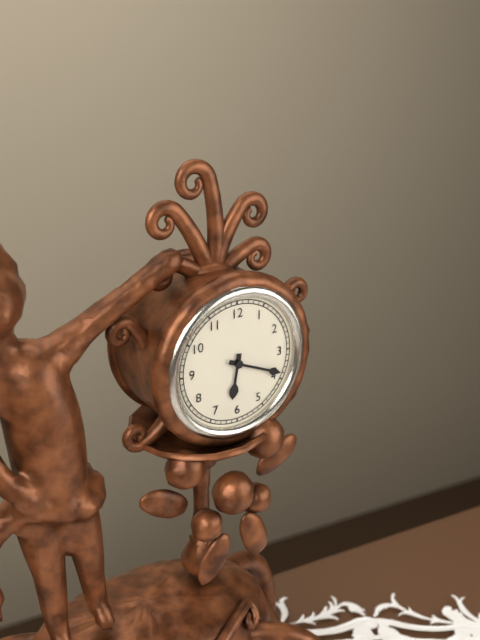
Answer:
6:19
